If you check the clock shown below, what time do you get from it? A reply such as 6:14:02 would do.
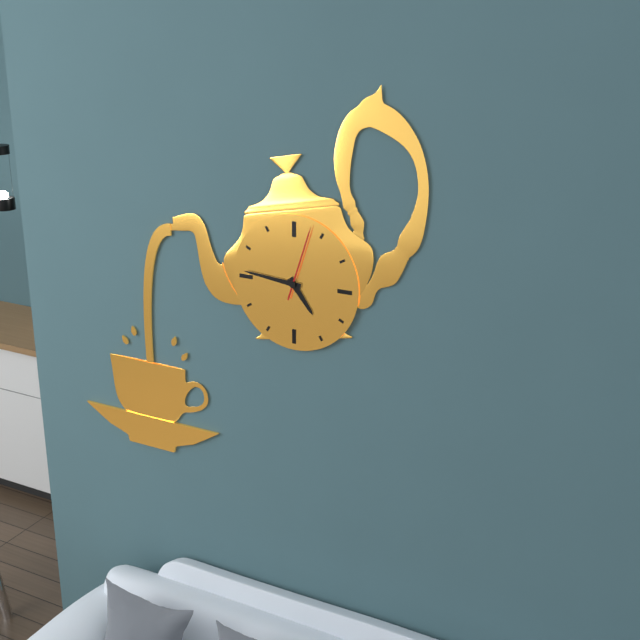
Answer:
4:46:03
